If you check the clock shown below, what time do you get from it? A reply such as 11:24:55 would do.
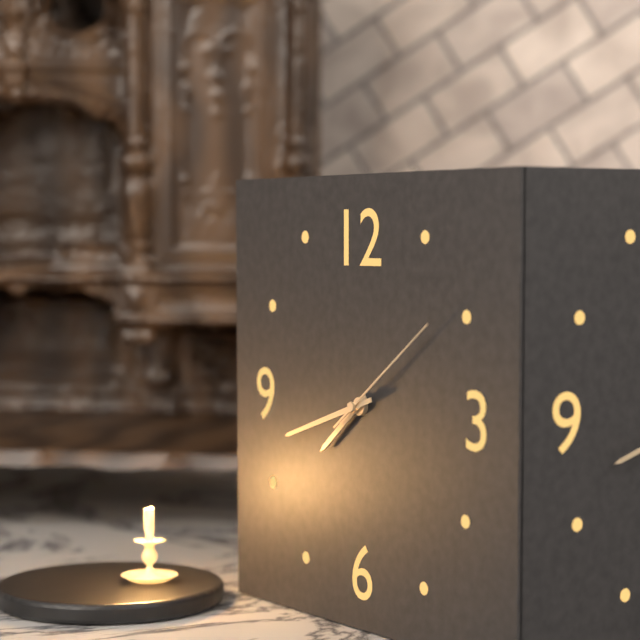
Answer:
7:42:09
